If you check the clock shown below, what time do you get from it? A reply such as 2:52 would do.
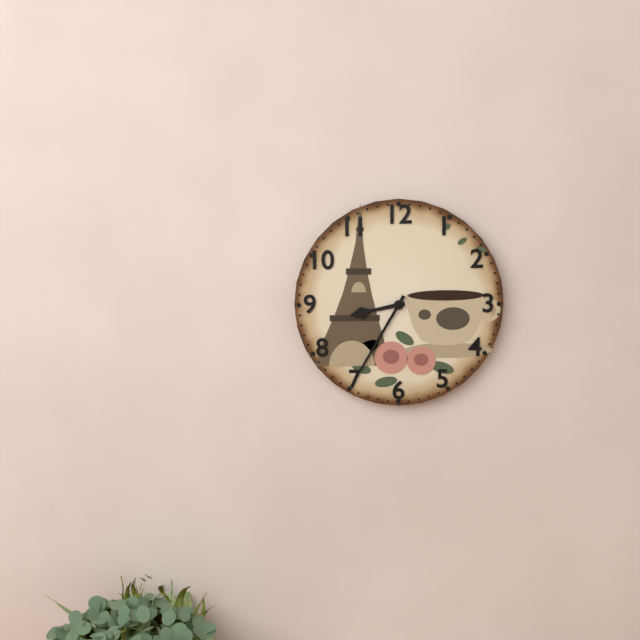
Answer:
8:35
